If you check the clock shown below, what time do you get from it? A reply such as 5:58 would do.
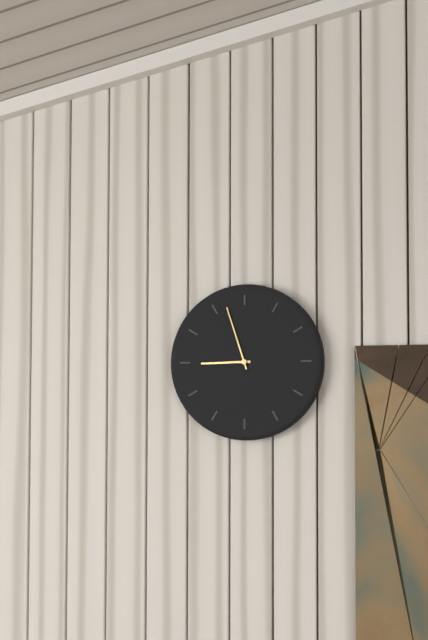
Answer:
8:57
